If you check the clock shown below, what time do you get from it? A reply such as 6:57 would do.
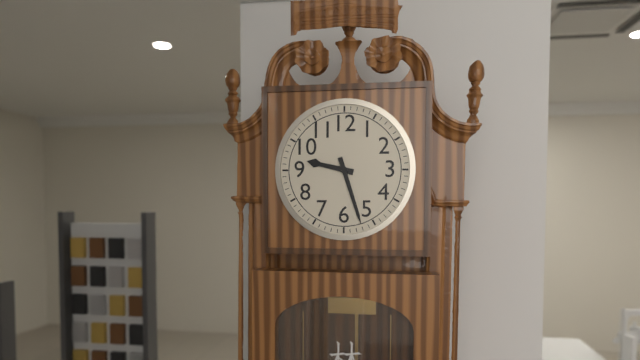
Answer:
9:27
